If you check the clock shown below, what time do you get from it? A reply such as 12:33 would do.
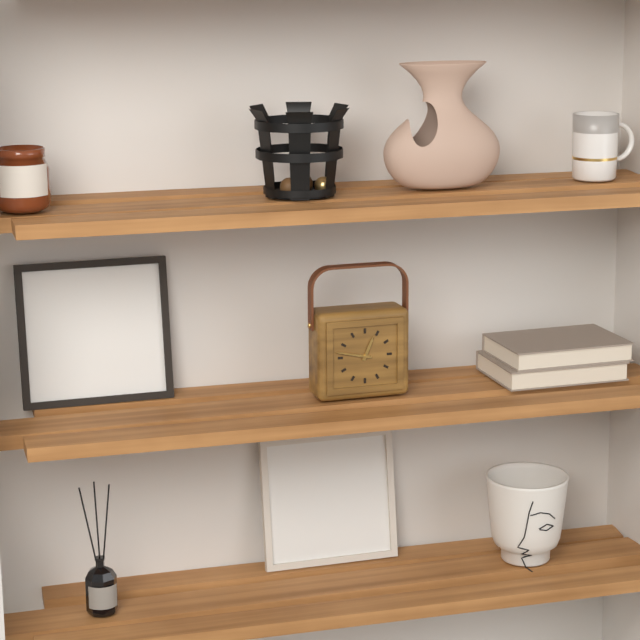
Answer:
12:47
